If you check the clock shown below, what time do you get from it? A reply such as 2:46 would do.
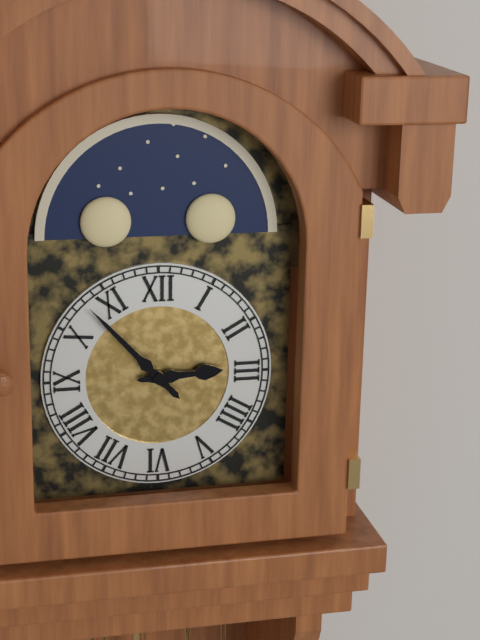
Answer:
2:53
